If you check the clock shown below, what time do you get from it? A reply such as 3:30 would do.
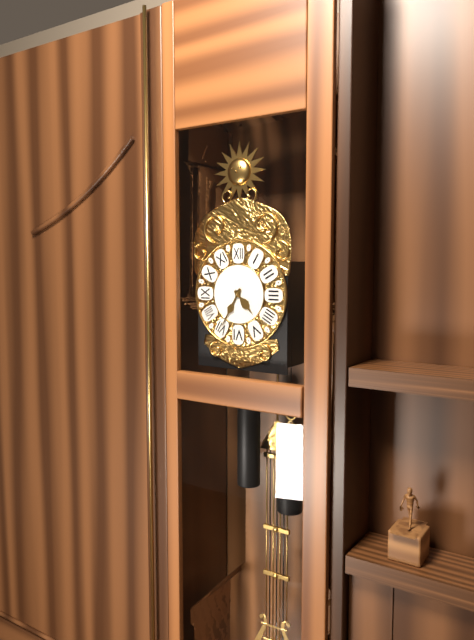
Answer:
4:35
